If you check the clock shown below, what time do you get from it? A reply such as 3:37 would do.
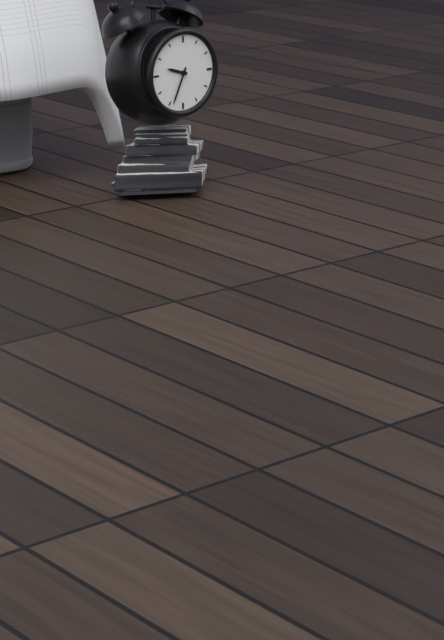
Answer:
9:34
